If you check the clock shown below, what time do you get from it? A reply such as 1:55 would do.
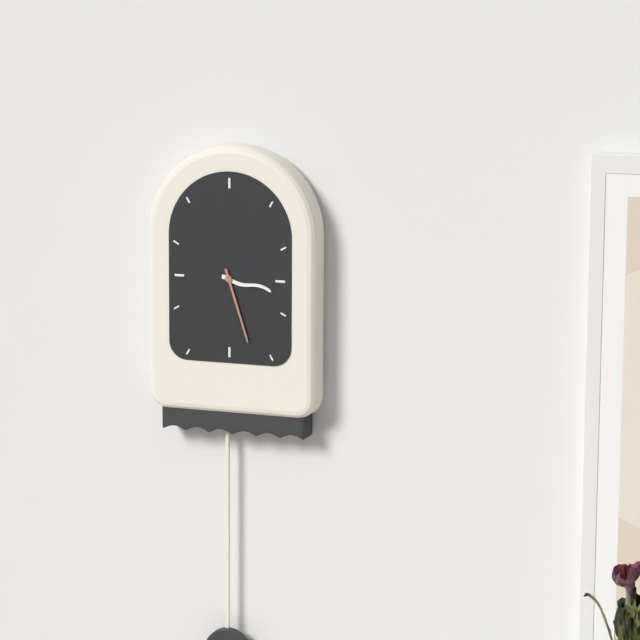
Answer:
3:27
